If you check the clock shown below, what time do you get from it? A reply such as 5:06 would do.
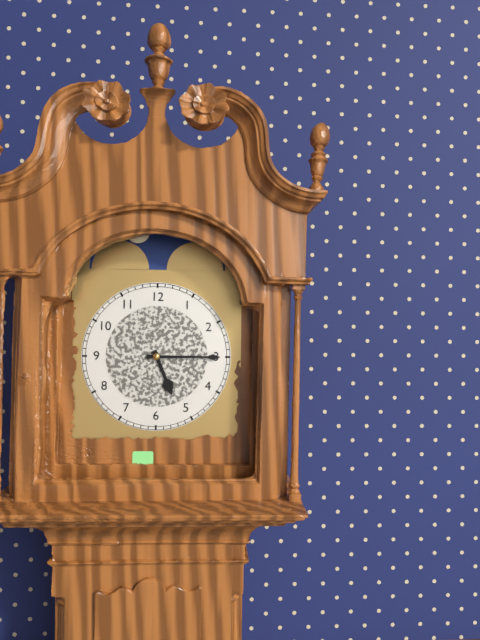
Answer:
5:15
